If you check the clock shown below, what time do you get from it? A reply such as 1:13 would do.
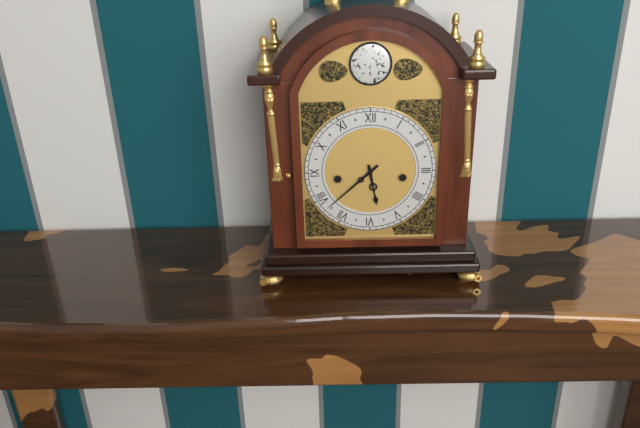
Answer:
5:38
